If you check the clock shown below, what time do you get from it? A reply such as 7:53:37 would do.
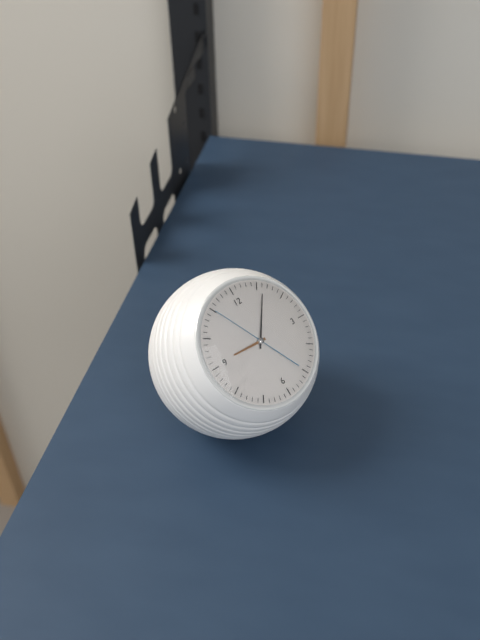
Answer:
9:06:55
